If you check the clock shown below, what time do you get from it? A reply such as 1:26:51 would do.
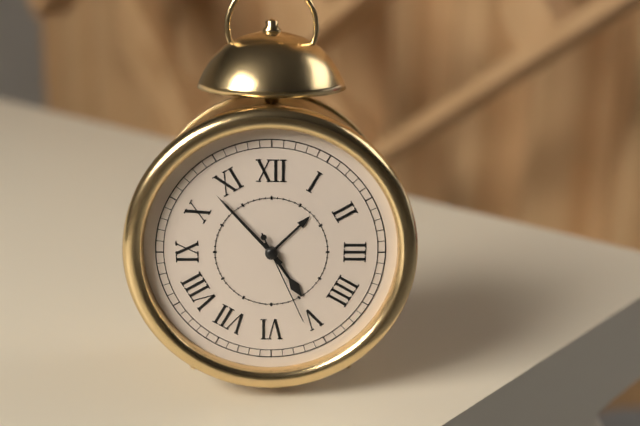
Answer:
4:53:26
